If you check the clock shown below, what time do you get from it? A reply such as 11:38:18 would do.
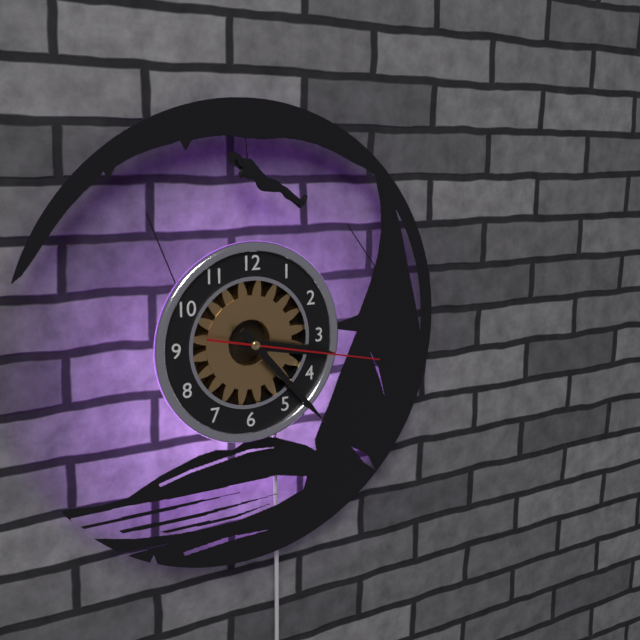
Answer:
3:23:17
